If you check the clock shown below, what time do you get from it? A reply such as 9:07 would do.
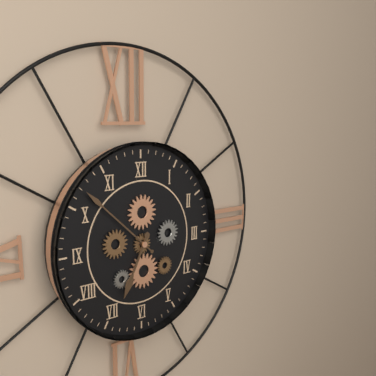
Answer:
6:52
